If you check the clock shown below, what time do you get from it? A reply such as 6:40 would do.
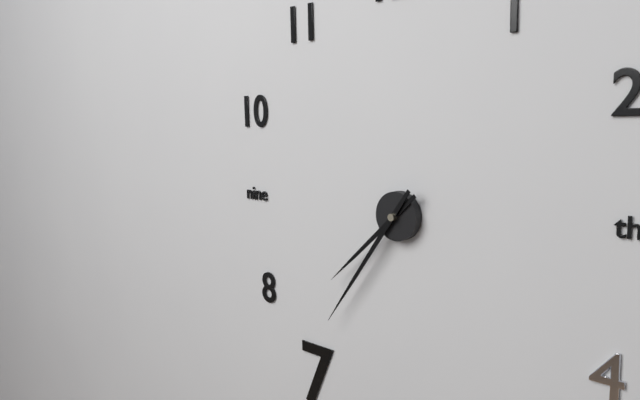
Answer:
7:36
